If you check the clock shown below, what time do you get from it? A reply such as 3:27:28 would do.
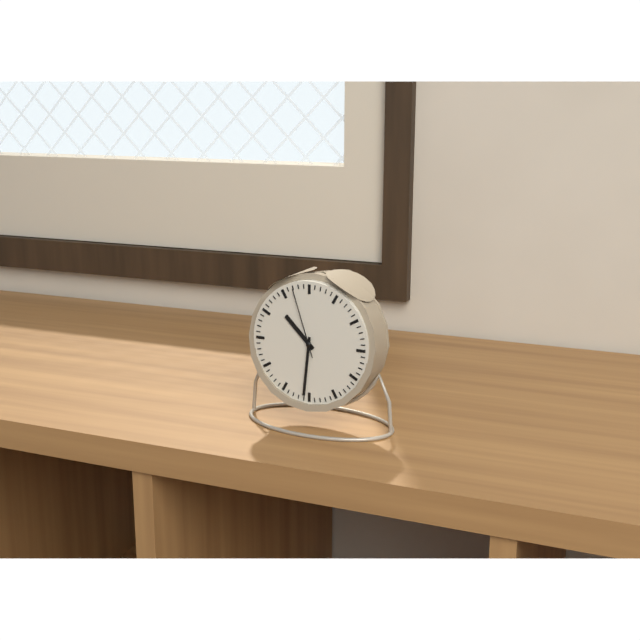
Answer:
10:31:57
